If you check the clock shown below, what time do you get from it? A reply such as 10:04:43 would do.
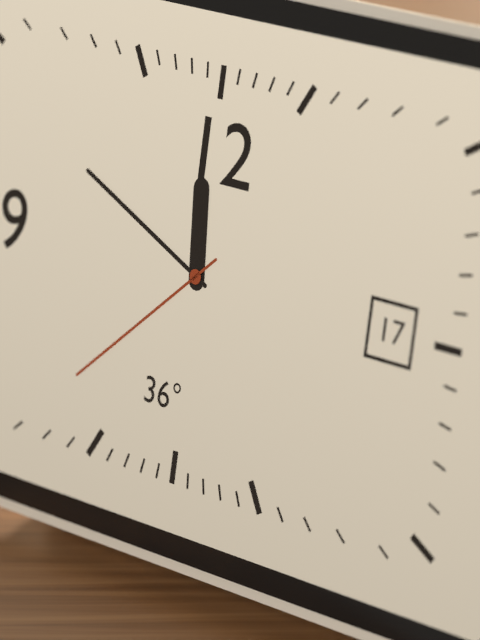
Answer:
11:49:38
